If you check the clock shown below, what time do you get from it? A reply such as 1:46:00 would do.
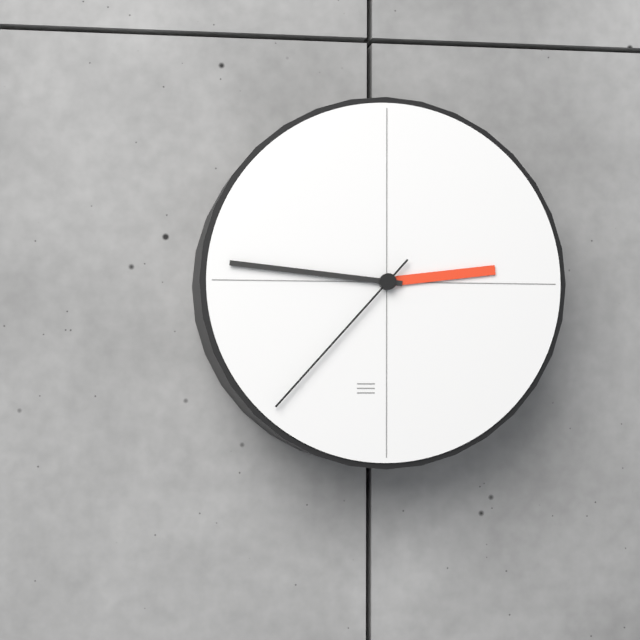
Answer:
2:46:37
